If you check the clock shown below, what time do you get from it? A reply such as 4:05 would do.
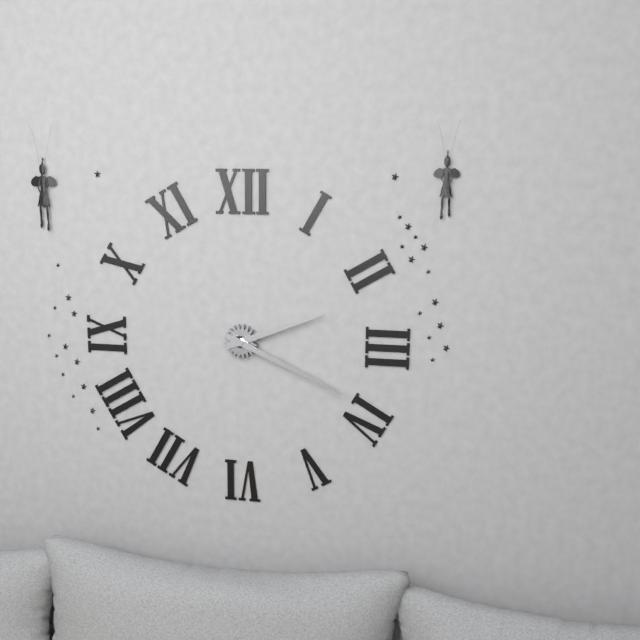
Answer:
2:19
